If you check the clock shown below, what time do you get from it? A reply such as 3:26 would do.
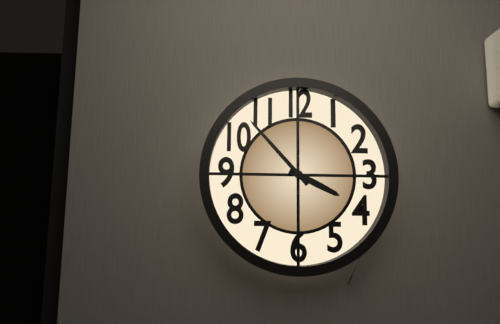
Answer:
3:53
